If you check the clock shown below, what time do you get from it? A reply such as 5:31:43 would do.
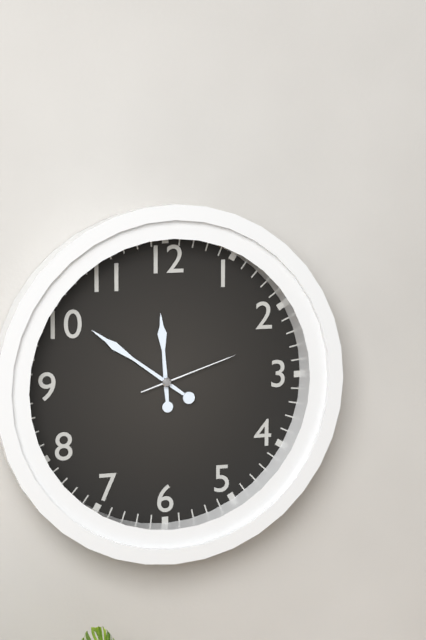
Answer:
11:51:12
